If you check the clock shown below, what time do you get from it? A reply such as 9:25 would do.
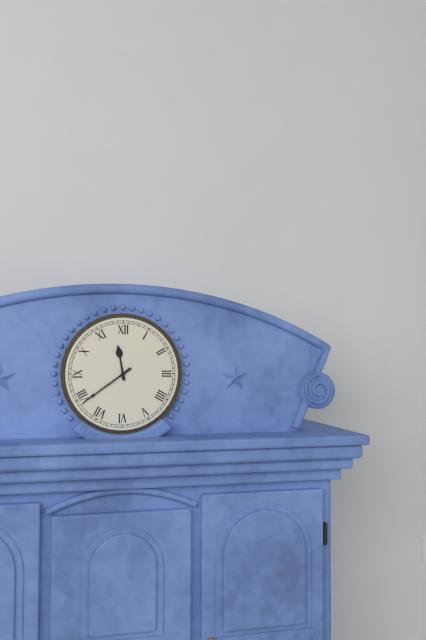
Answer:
11:39
